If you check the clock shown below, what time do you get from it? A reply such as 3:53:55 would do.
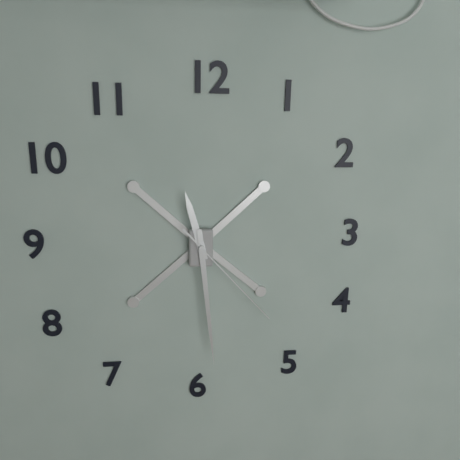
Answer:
11:29:23
